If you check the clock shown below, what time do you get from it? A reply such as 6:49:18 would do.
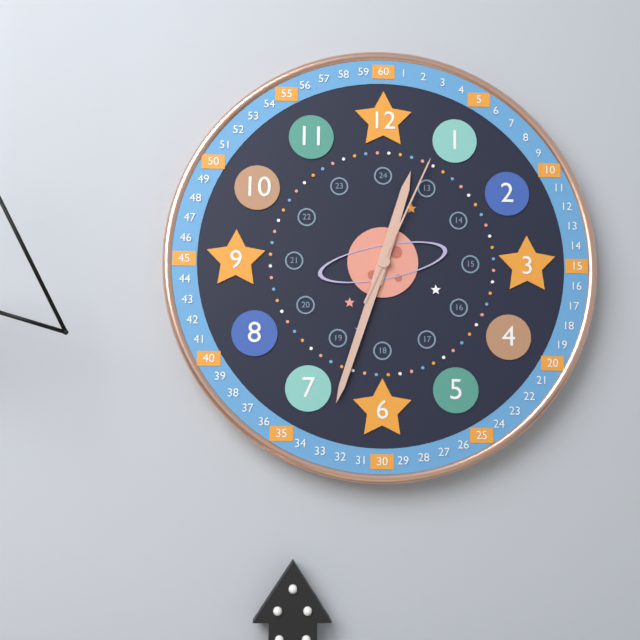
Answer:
12:33:04
